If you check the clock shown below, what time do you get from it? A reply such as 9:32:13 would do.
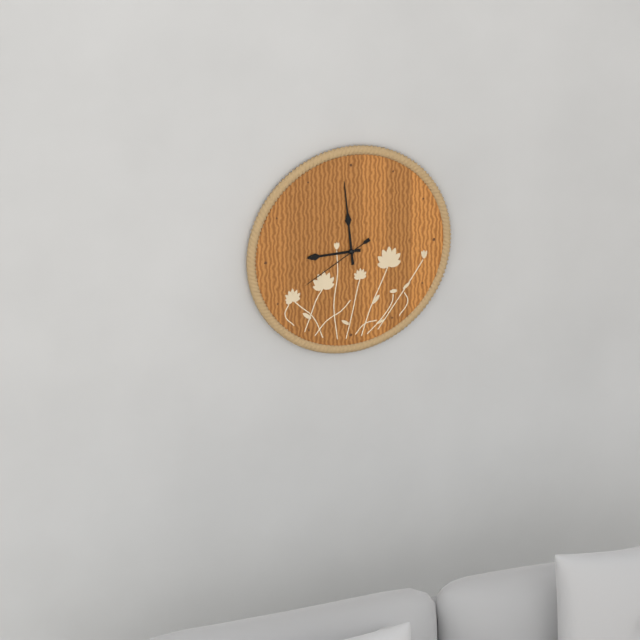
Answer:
8:59:40
